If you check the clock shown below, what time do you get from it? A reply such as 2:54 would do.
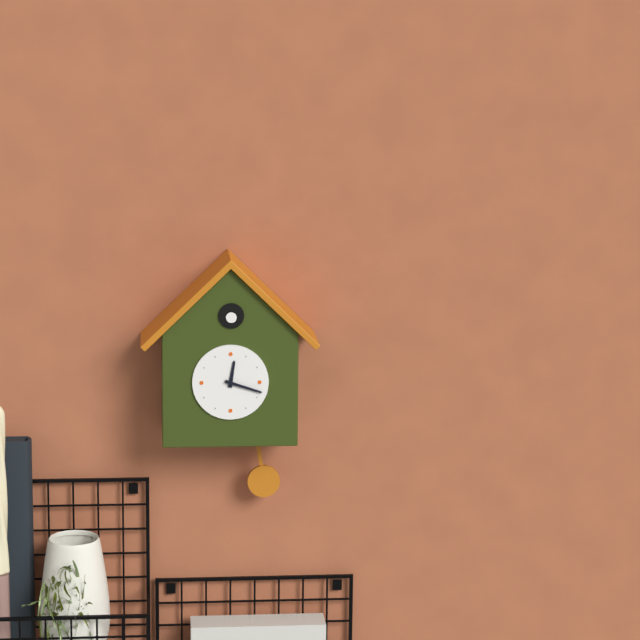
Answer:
12:18
